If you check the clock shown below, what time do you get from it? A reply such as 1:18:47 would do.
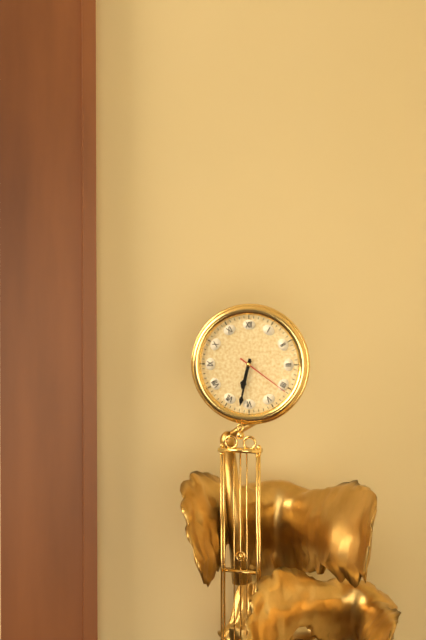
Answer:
6:32:21
